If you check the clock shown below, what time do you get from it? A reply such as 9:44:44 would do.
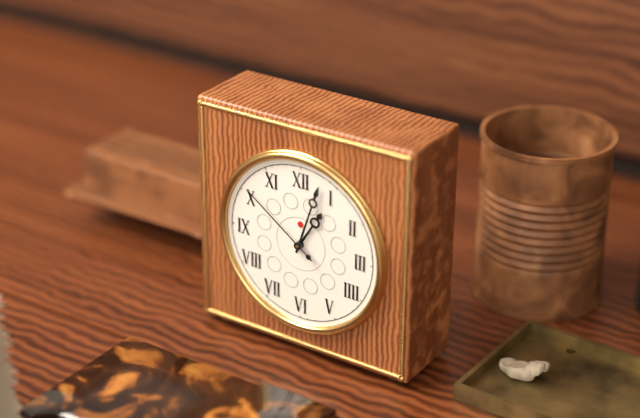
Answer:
1:03:51
